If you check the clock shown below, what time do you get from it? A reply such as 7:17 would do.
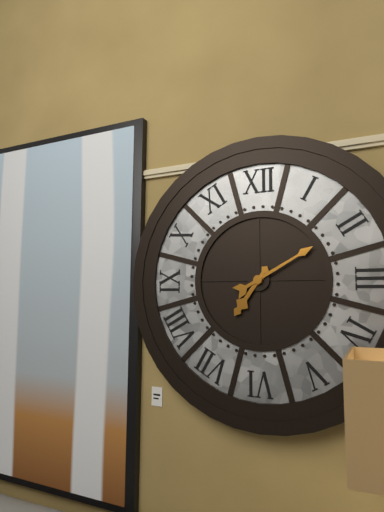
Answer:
7:10
